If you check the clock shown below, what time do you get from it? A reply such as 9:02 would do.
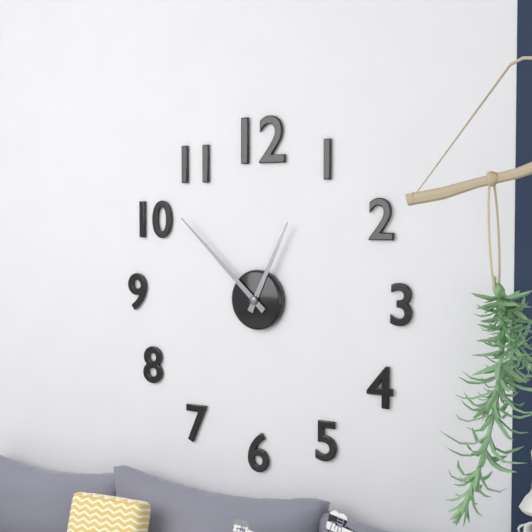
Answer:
12:52
